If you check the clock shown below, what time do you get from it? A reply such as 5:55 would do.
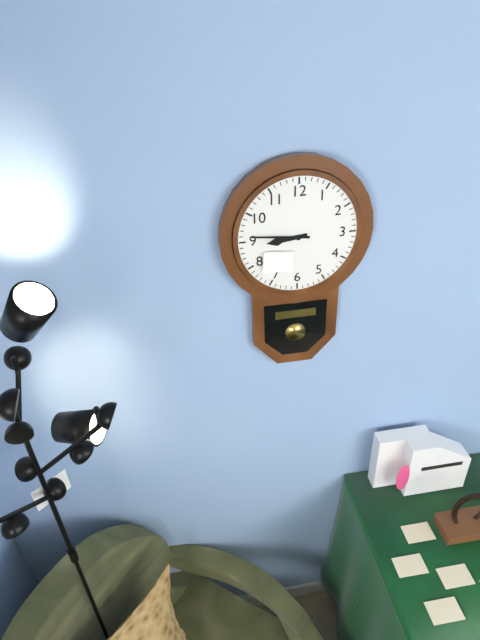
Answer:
8:46
